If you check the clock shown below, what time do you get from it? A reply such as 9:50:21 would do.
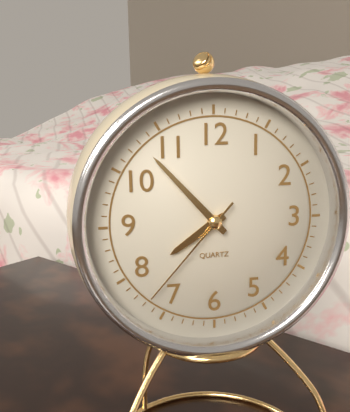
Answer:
7:53:37
